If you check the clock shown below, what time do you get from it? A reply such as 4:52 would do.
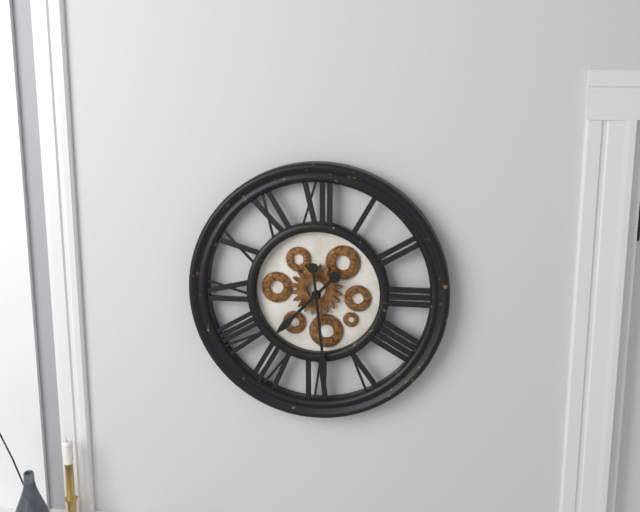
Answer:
7:29
